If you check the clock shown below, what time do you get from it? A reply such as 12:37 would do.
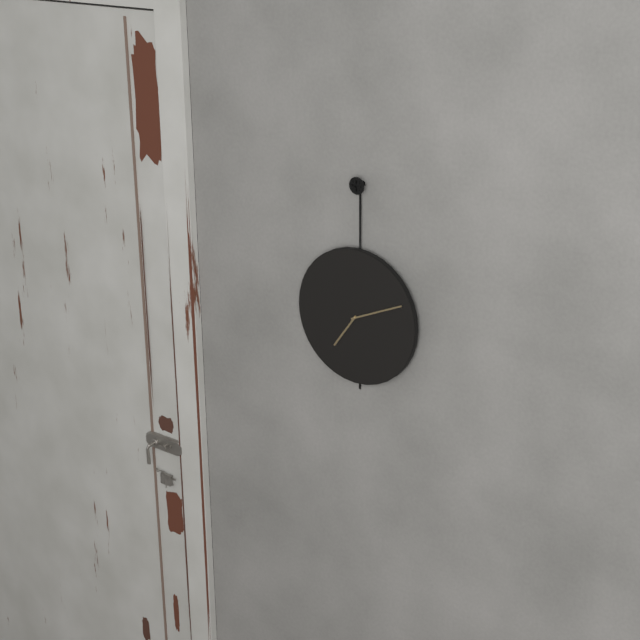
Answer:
7:11
